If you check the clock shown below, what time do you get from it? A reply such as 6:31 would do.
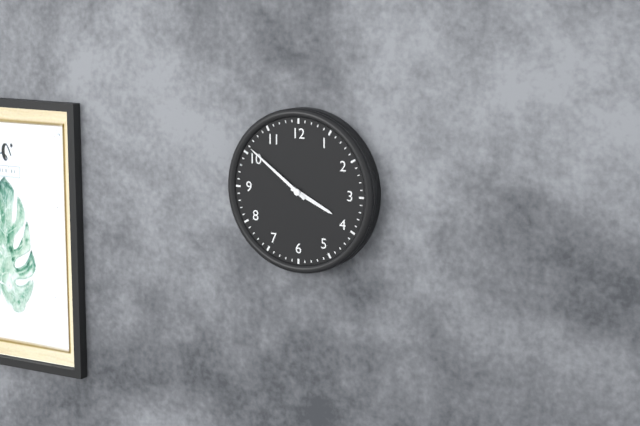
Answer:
3:51
